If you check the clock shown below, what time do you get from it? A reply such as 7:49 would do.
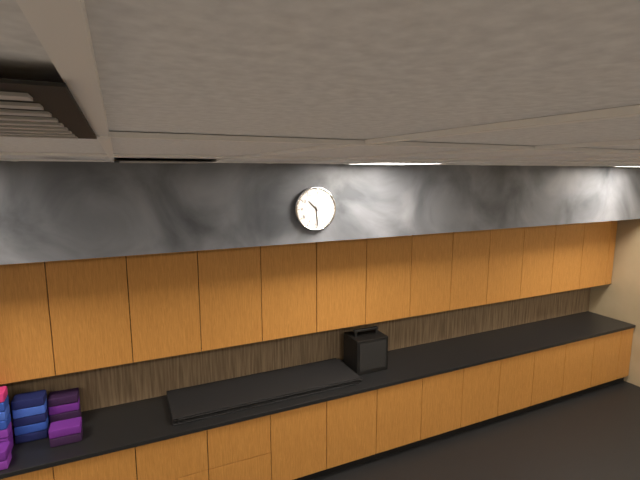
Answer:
10:29
